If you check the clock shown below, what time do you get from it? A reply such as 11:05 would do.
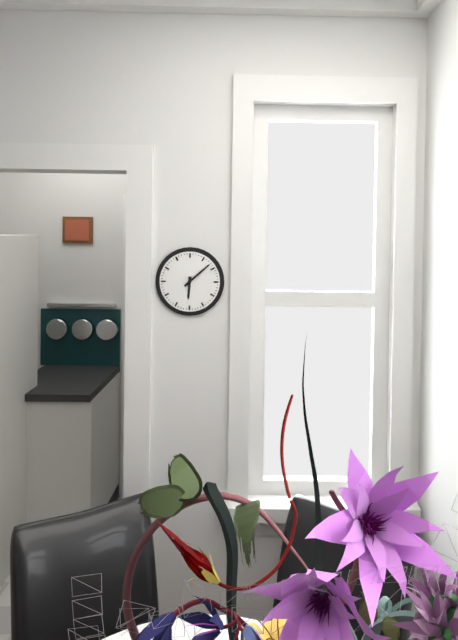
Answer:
6:08
